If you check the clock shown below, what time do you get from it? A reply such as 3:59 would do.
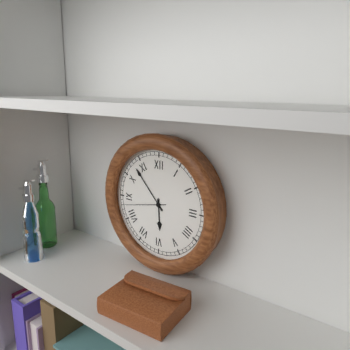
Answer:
5:53
